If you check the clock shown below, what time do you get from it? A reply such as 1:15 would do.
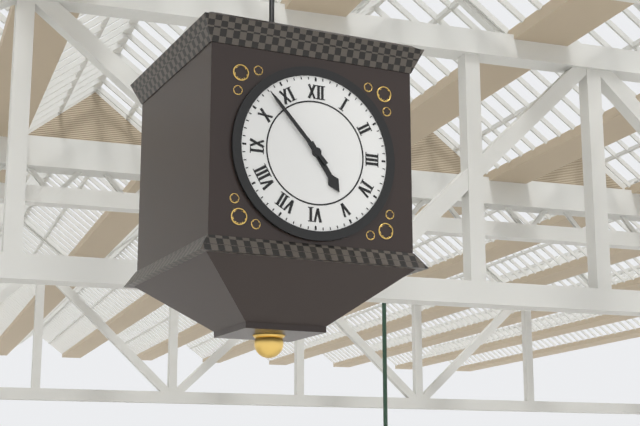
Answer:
4:53
